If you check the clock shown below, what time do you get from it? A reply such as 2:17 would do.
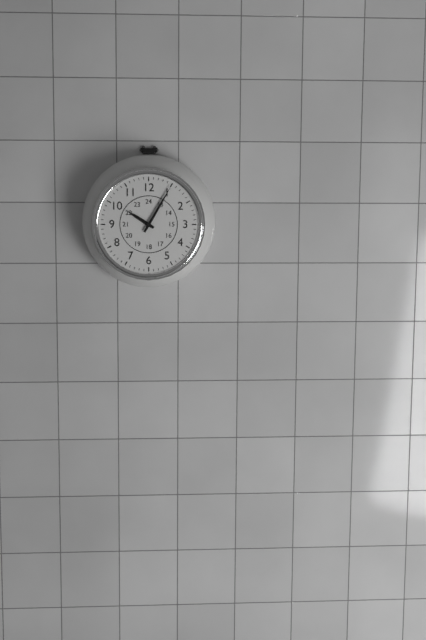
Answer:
10:05
